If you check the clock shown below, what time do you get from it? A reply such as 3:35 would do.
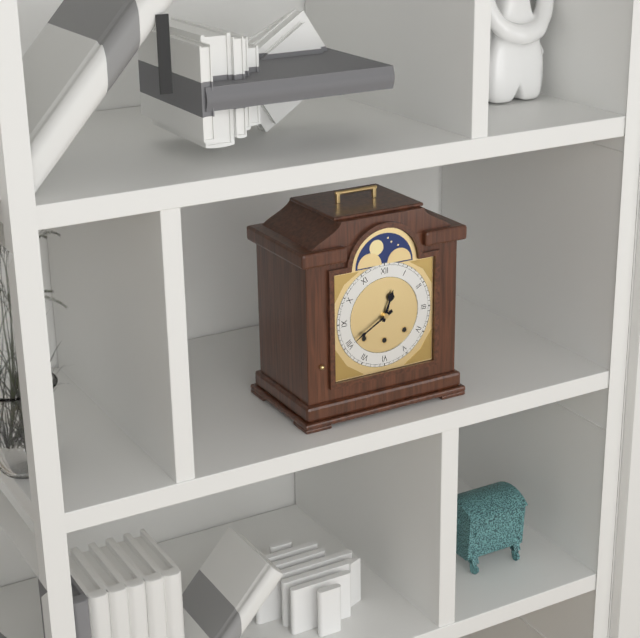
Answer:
12:40
